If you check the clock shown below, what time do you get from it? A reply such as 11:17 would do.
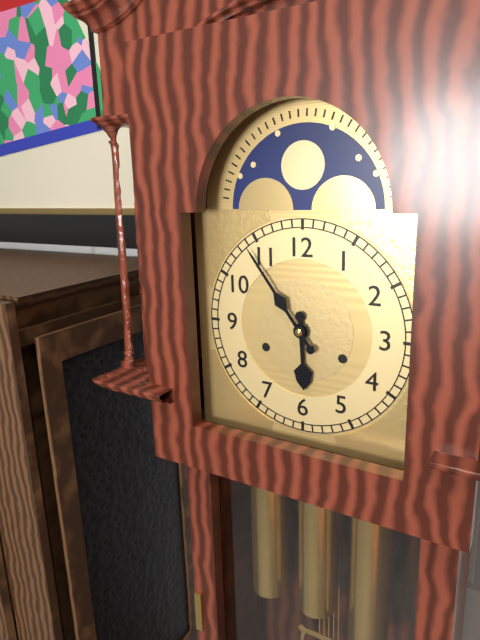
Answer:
5:54
